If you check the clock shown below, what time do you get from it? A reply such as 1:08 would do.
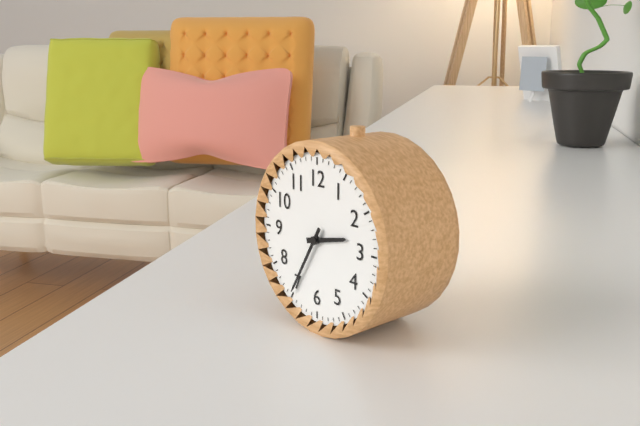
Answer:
2:35
